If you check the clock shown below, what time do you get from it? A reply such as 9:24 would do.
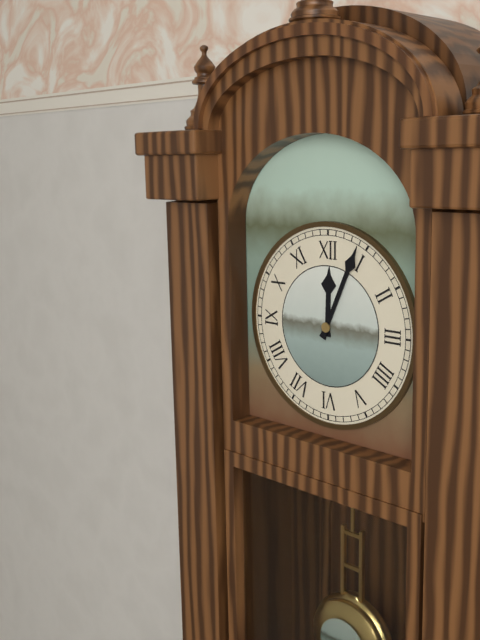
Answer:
12:04
